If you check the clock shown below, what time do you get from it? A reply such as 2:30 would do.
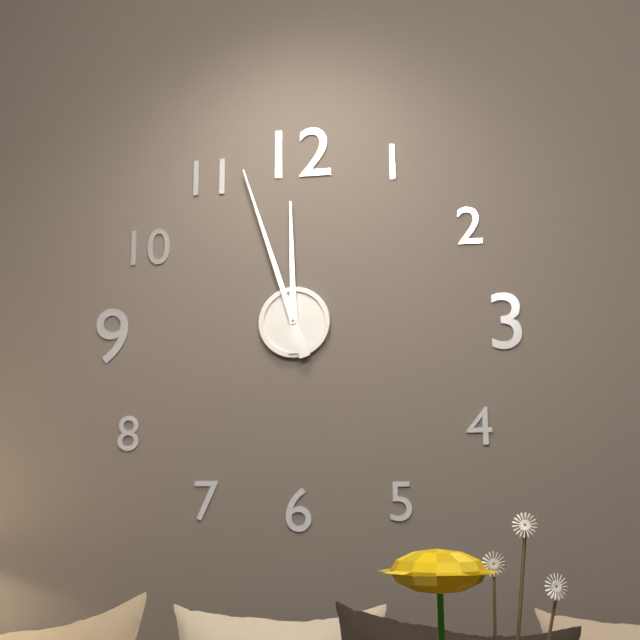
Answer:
11:57
